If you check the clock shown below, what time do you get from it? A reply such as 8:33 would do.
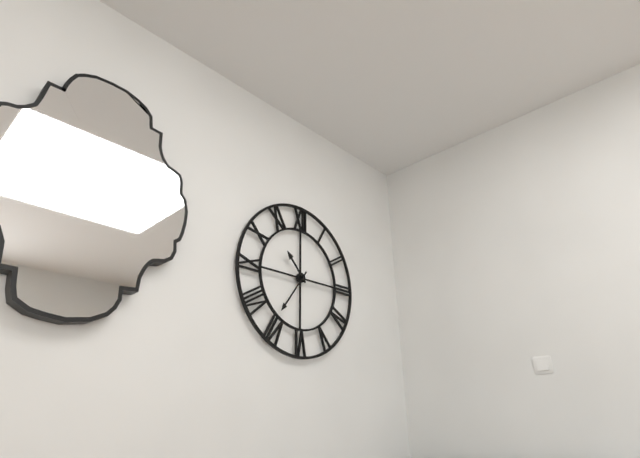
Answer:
10:36
